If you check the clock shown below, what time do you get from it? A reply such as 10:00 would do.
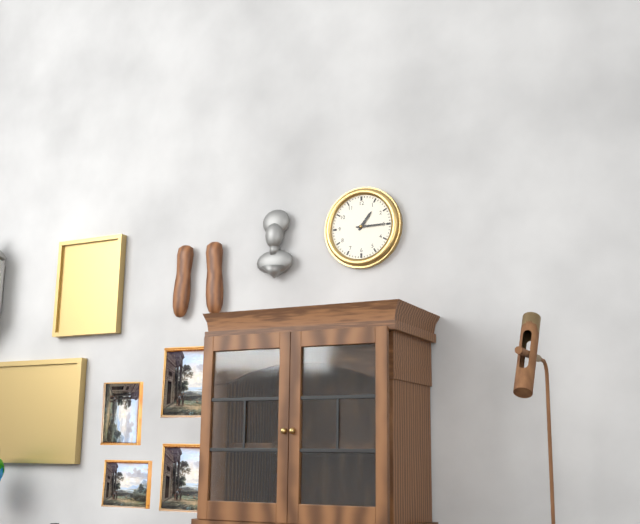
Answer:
1:15
